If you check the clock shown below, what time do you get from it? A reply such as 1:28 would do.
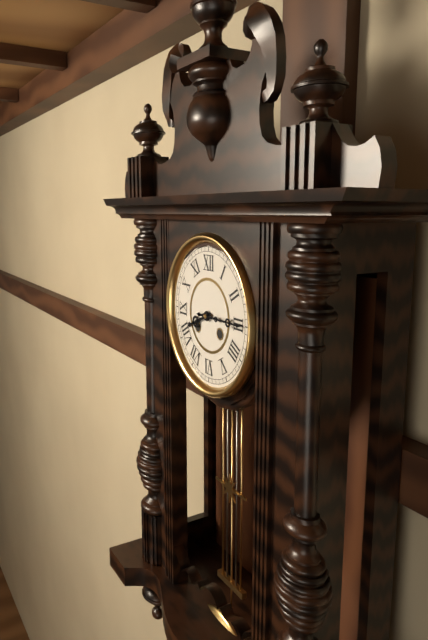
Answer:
8:15
